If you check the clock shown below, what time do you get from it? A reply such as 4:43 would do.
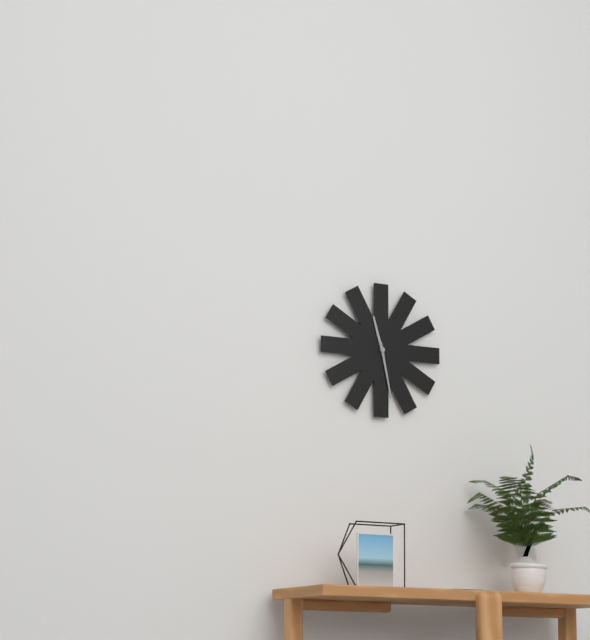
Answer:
11:28
